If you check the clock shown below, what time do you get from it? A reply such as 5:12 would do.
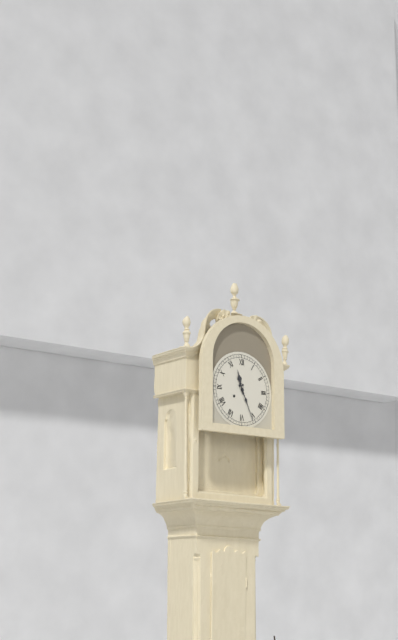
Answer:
11:26
